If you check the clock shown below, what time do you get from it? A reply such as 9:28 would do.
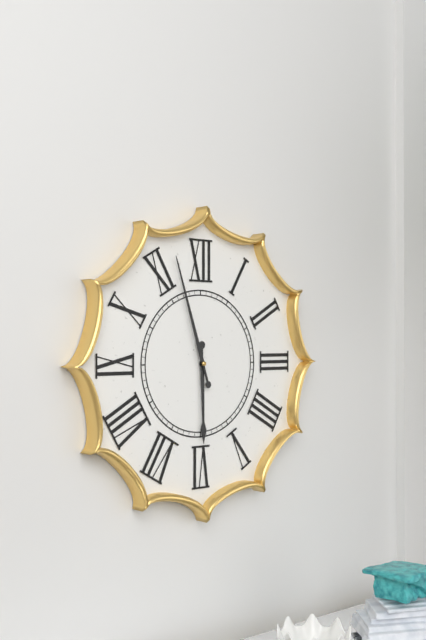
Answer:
5:57
